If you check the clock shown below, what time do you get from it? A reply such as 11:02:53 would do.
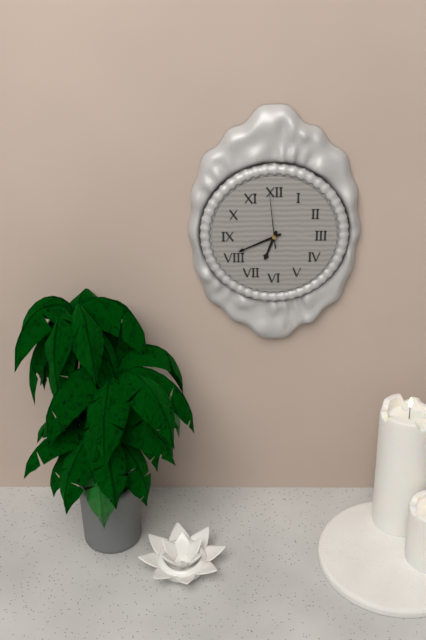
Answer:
6:41:59
